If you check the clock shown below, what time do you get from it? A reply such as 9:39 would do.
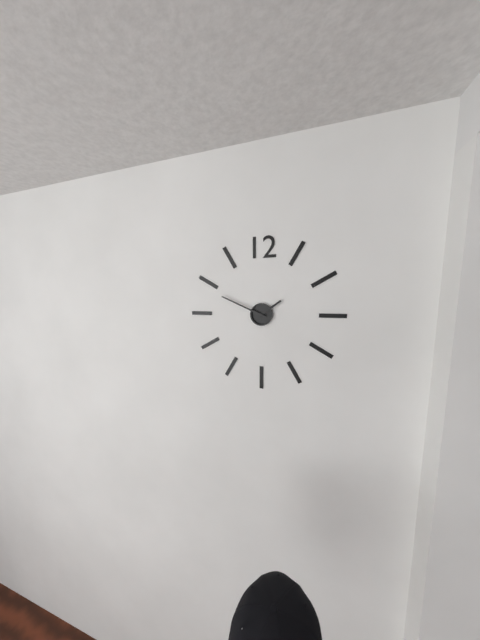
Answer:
1:49
